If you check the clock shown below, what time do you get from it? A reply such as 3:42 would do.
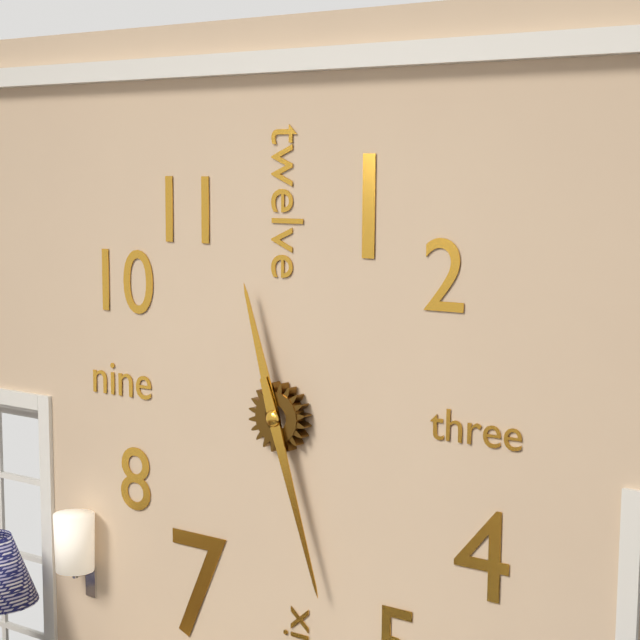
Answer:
11:27
